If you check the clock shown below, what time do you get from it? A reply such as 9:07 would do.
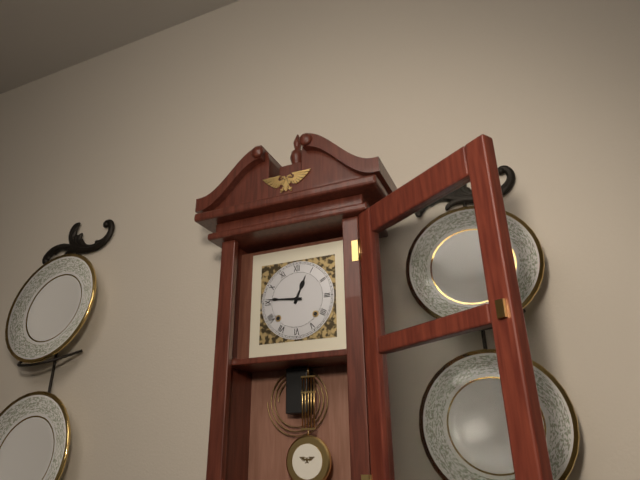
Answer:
12:46
